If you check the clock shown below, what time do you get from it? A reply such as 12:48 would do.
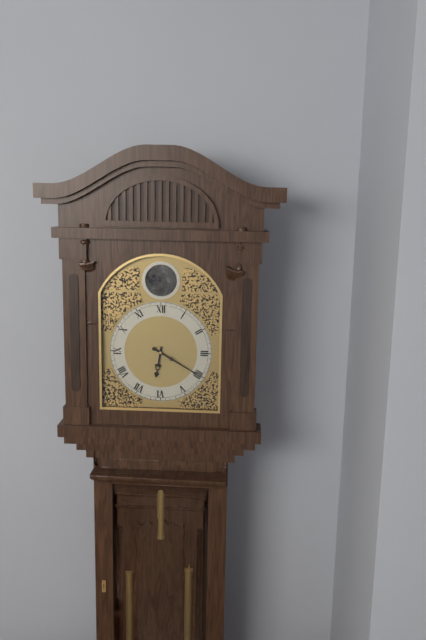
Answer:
6:20
